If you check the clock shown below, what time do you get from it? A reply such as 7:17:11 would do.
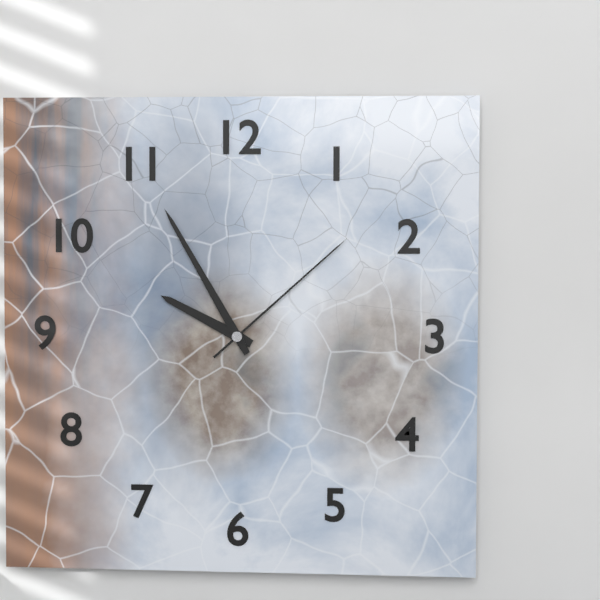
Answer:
9:55:08
